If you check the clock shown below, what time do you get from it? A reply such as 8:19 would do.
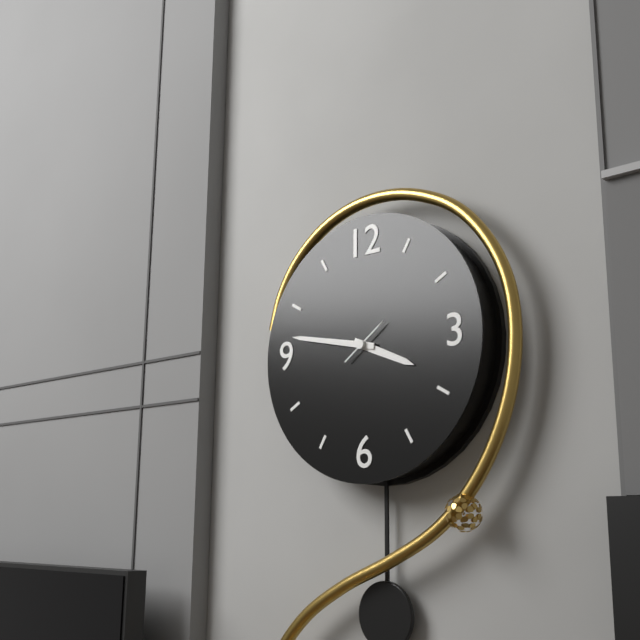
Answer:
3:47
